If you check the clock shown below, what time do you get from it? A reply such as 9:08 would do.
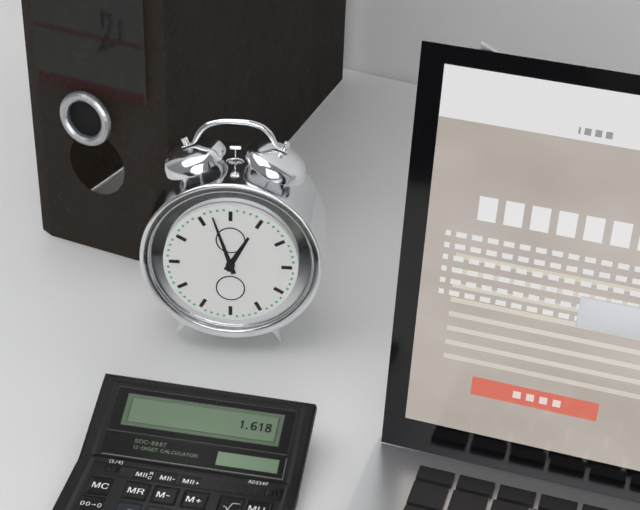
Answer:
12:57
